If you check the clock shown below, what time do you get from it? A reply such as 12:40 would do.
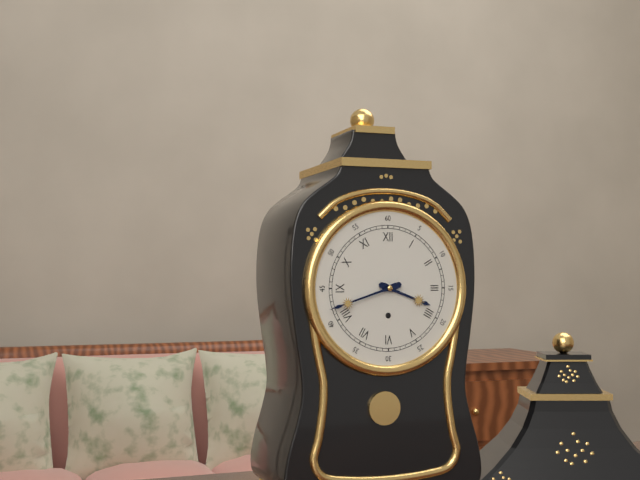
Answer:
3:42
